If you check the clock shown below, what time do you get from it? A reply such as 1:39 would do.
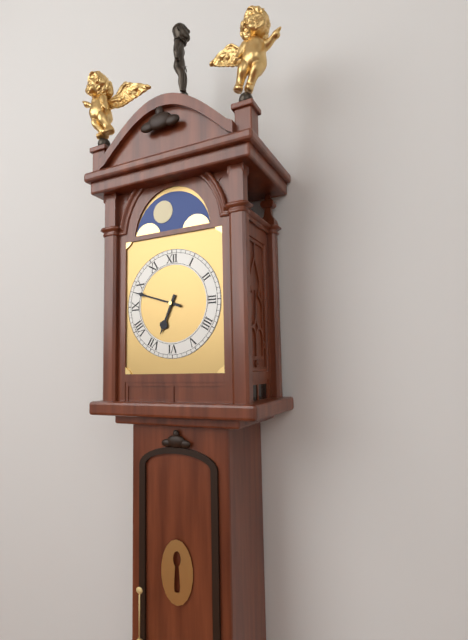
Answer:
6:48
